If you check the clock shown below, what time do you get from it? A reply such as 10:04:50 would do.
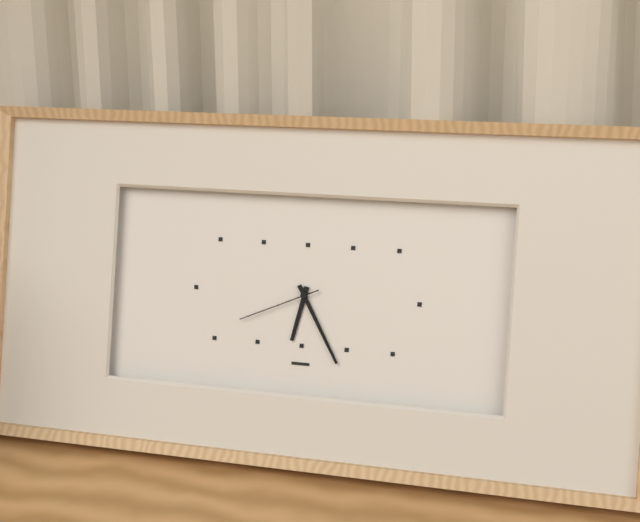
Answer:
6:25:41
